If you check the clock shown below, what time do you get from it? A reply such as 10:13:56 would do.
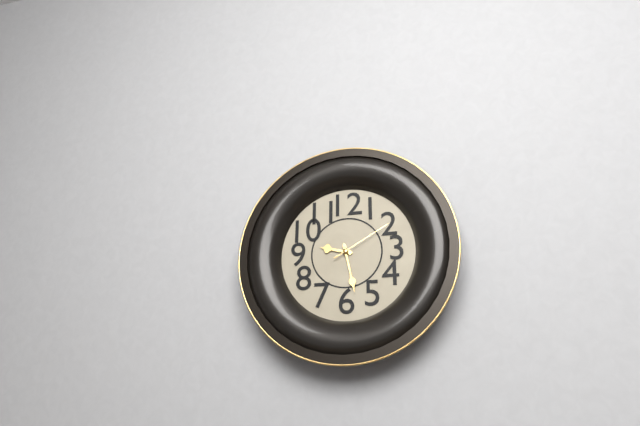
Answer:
9:28:10
